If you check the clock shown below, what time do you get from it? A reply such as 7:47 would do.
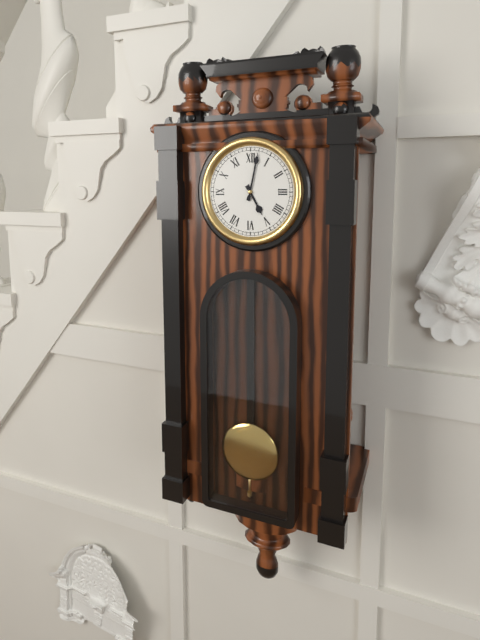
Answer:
5:02
